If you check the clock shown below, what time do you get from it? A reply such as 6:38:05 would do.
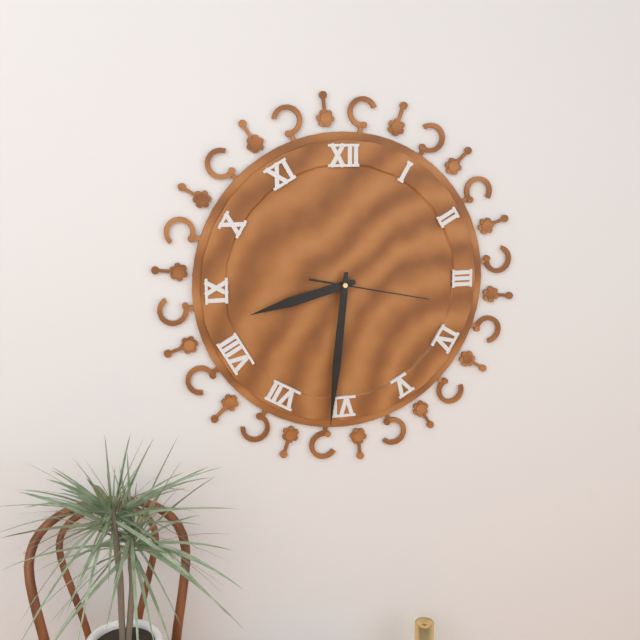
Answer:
8:31:17
